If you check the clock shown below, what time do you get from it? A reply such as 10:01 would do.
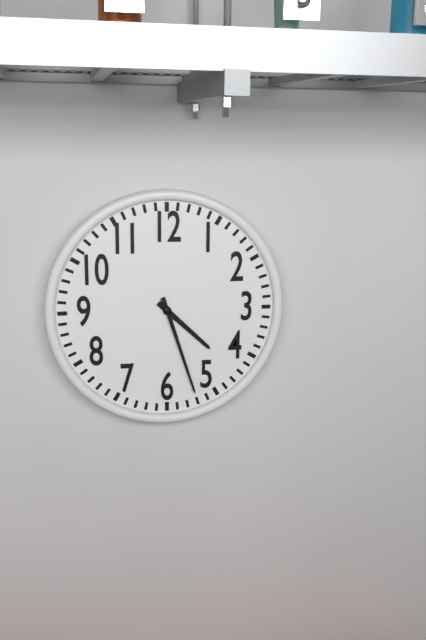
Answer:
4:27
